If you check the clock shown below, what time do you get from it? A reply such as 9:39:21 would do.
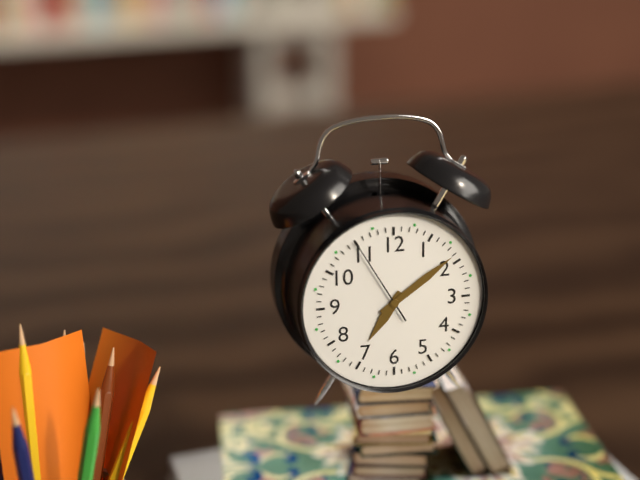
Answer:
7:09:55
